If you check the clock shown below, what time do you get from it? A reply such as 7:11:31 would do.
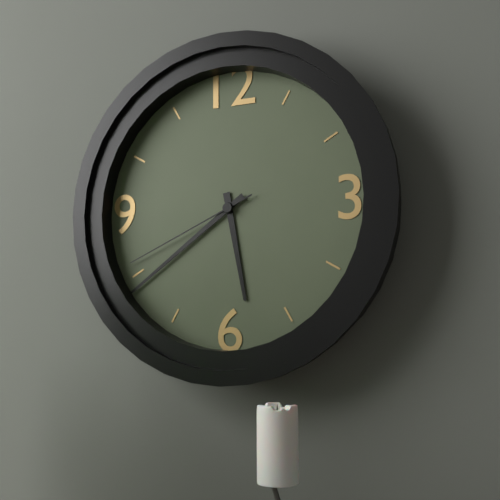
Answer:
5:39:41
